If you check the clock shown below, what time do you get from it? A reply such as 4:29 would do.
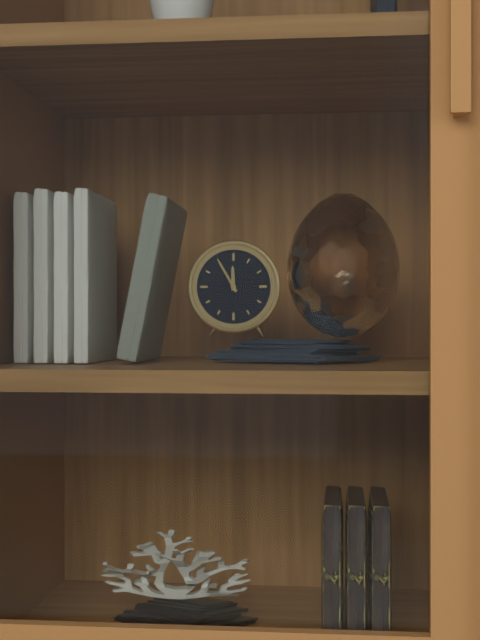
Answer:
11:55
